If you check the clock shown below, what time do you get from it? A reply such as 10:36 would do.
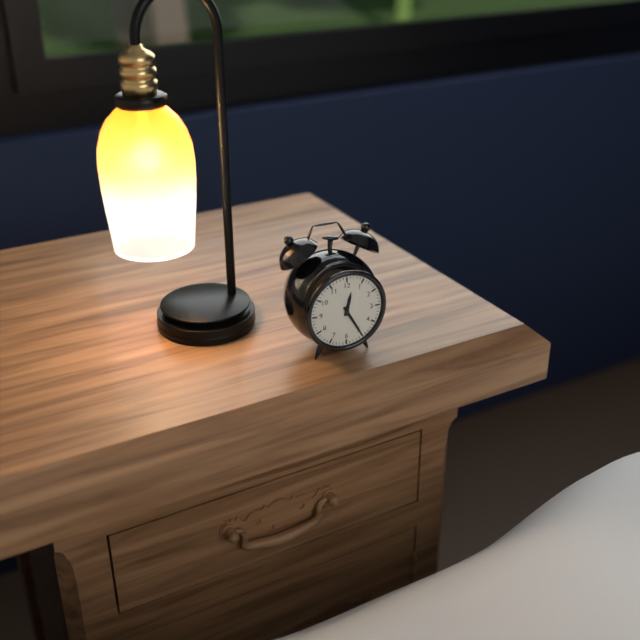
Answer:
12:25
